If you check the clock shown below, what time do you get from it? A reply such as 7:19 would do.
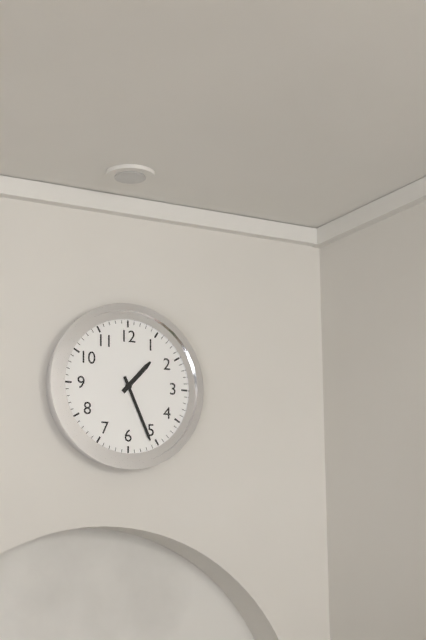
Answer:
1:26
